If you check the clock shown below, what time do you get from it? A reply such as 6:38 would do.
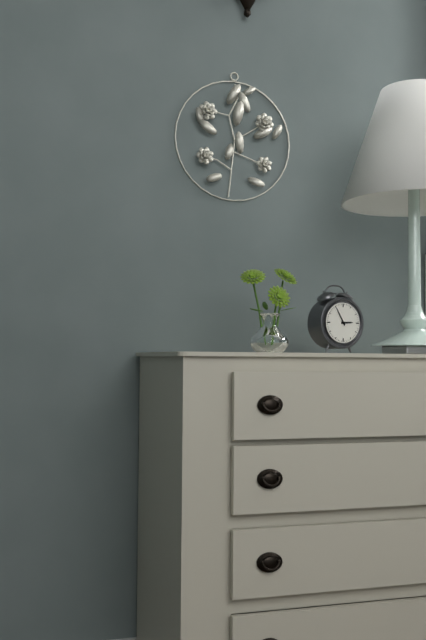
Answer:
2:55
